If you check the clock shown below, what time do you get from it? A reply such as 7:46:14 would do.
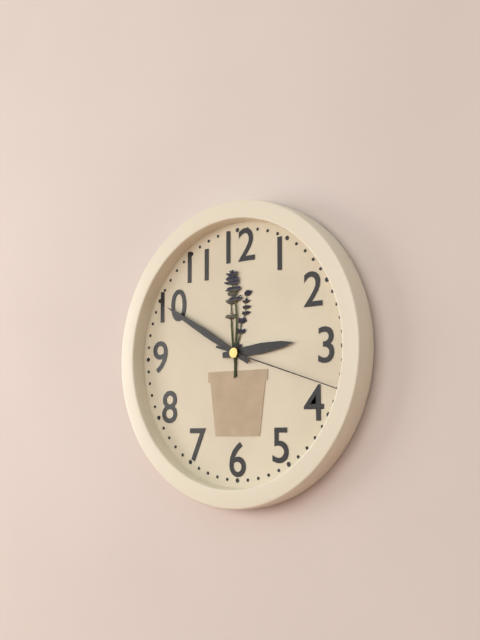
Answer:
2:50:18
